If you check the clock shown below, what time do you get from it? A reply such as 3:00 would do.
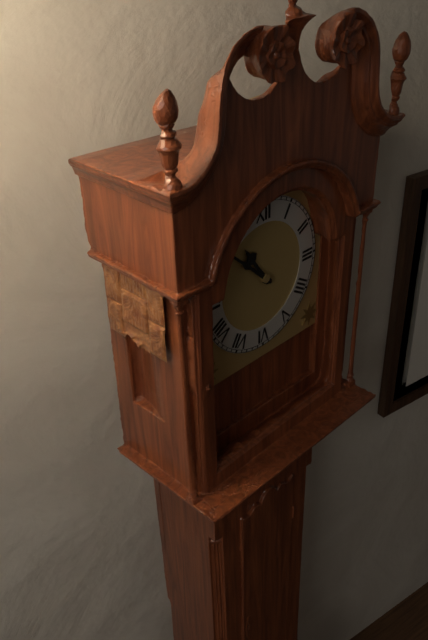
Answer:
10:52
